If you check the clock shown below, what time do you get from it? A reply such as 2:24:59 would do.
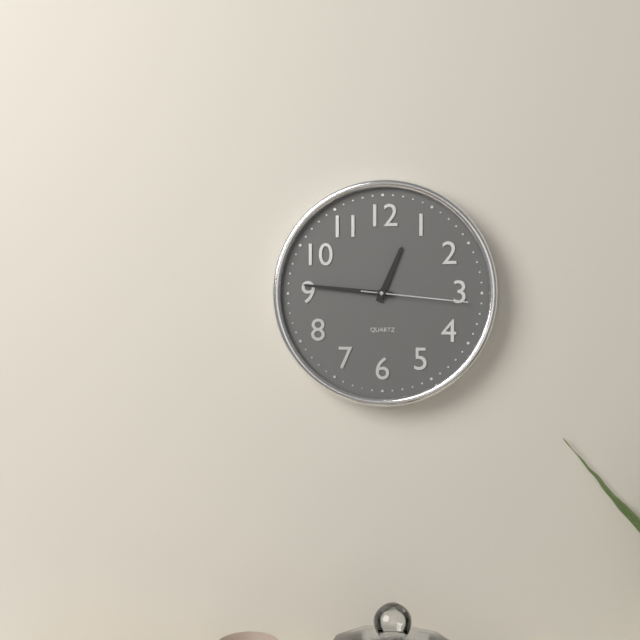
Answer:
12:46:16
